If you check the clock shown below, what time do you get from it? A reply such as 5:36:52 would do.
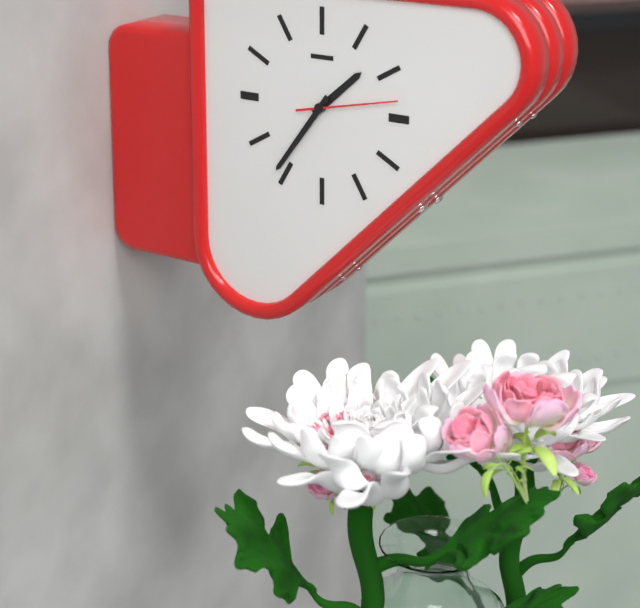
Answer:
1:36:13
